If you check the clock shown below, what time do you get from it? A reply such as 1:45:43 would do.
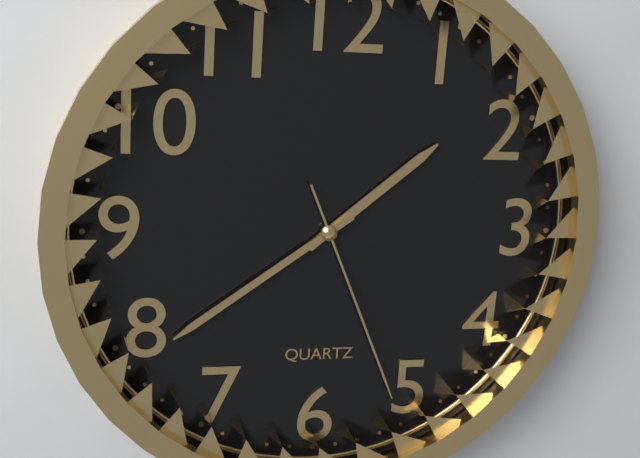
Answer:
1:39:26
